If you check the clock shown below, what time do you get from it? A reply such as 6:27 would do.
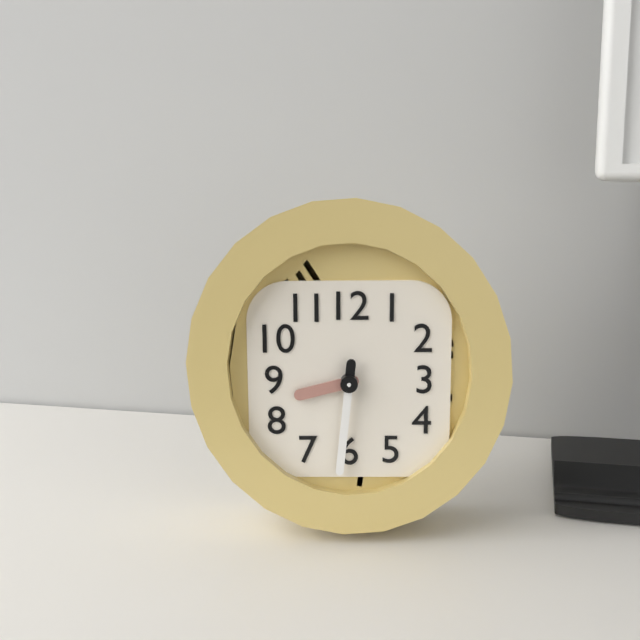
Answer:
8:31
